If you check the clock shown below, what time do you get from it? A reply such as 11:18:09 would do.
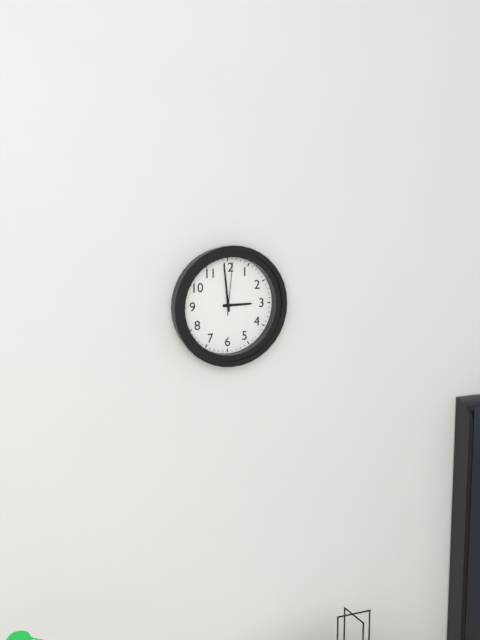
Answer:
2:59:01
